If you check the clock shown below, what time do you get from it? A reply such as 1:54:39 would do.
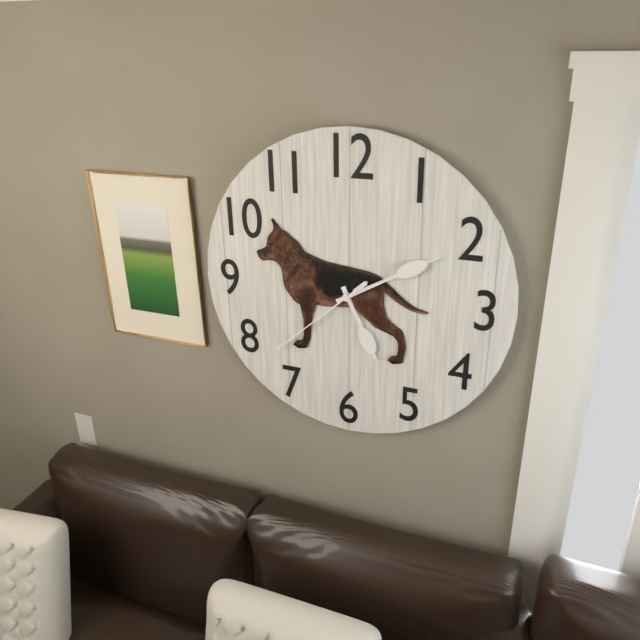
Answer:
5:10:38
